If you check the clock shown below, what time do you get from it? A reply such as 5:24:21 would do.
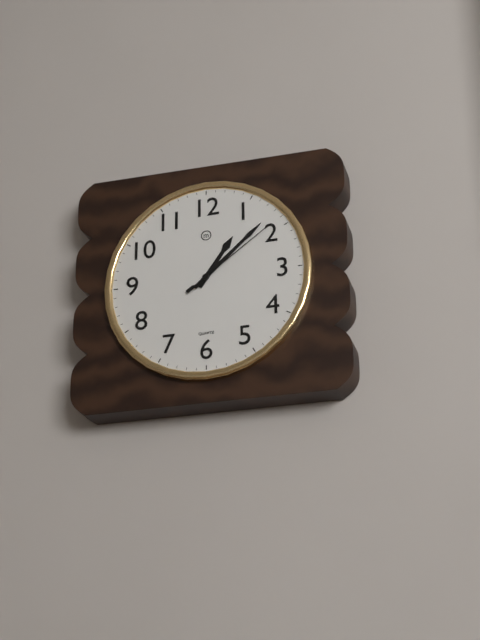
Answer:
1:08:09
